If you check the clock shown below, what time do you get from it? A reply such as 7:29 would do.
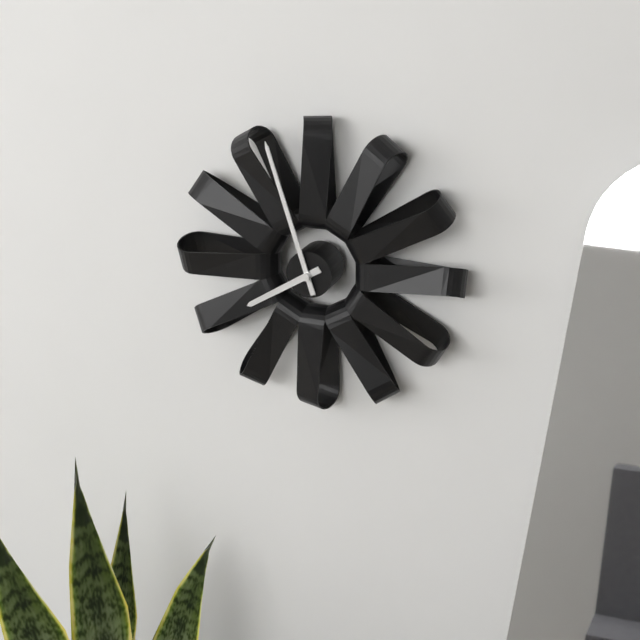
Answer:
7:57
